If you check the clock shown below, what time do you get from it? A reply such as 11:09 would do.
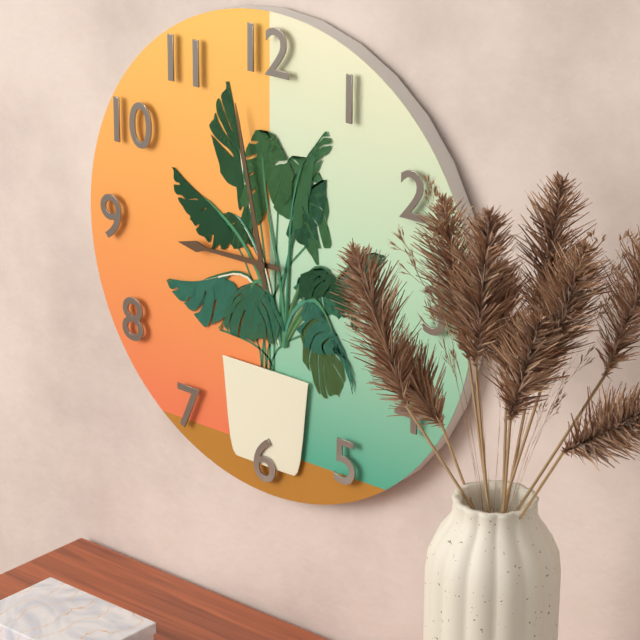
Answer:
8:58
